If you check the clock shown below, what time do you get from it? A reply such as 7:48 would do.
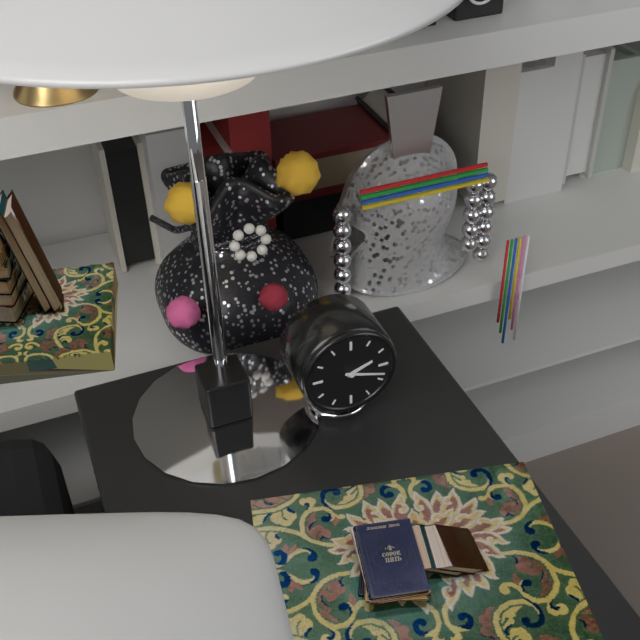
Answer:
2:18
